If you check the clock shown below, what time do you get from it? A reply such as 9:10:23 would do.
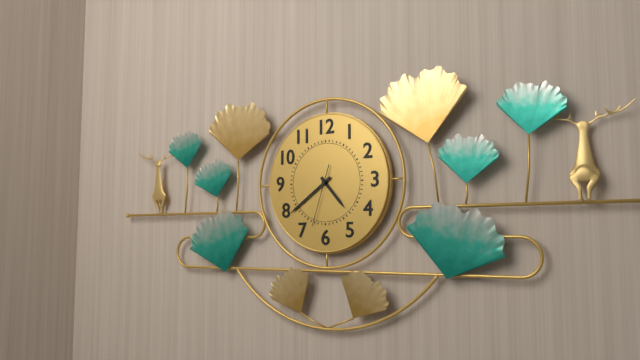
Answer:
4:39:33
